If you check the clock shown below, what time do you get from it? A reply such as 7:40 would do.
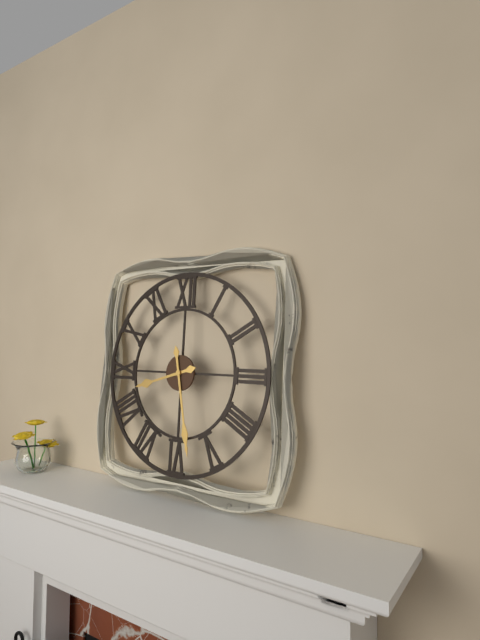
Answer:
8:28
